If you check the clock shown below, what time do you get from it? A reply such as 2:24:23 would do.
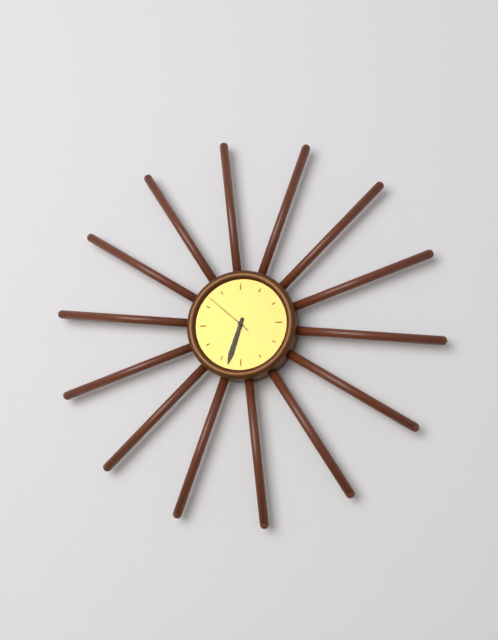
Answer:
6:33:52
